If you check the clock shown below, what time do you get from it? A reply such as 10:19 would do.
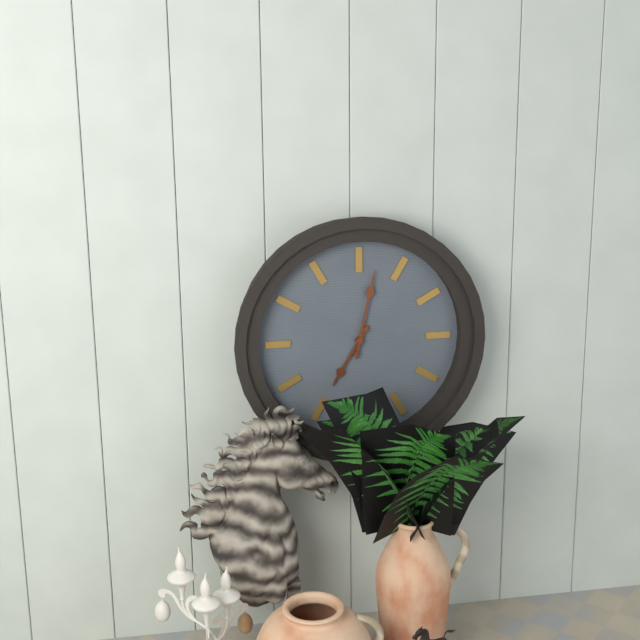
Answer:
7:02
